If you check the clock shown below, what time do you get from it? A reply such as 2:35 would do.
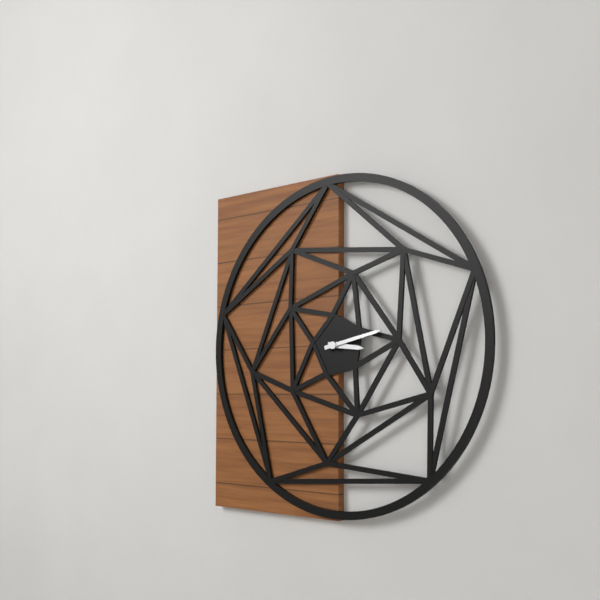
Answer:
3:13
